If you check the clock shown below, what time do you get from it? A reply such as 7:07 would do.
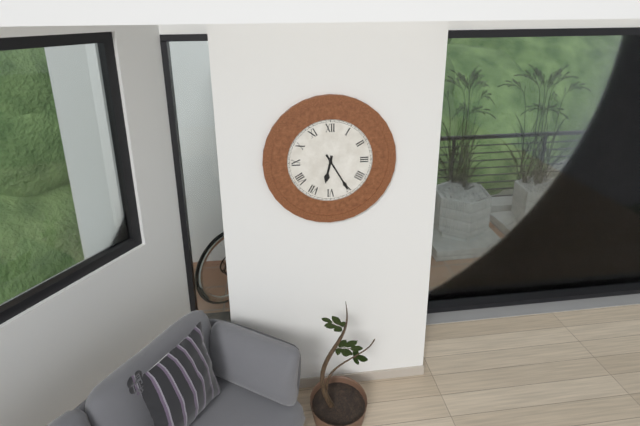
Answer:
6:25
